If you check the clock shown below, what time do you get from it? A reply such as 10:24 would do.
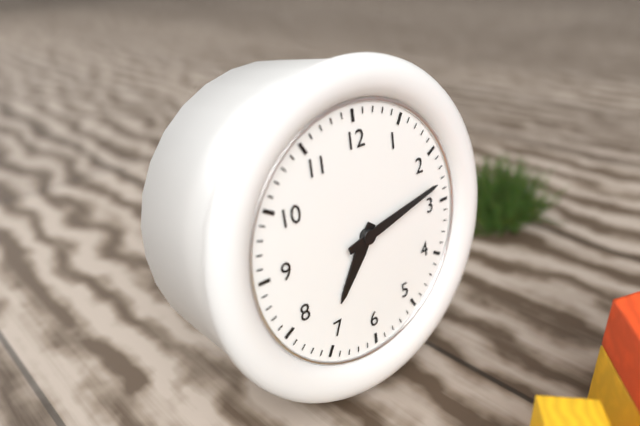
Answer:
7:13
